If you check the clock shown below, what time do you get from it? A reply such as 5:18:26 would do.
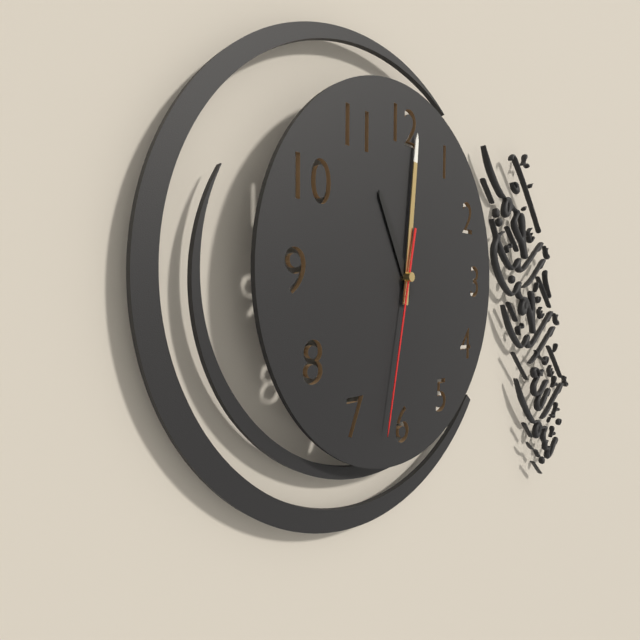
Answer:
11:01:32
